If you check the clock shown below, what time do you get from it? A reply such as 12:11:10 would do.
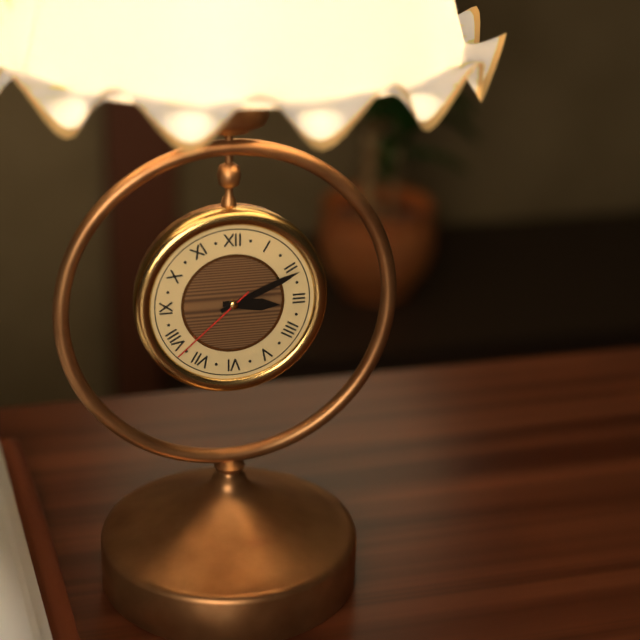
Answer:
3:11:38
